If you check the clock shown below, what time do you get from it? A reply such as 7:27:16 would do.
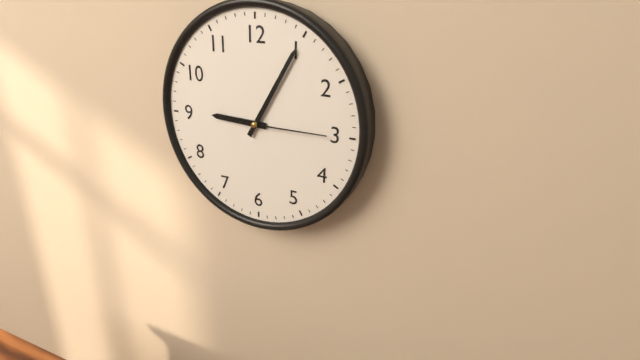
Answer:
9:05:15
